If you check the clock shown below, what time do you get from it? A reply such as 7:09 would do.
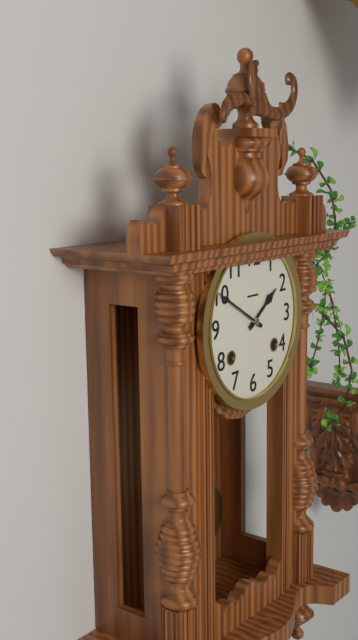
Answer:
1:50
